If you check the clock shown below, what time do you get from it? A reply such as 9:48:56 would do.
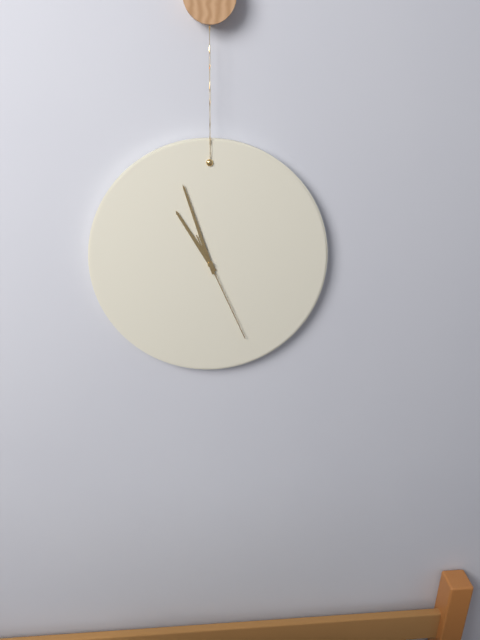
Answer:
10:57:26
